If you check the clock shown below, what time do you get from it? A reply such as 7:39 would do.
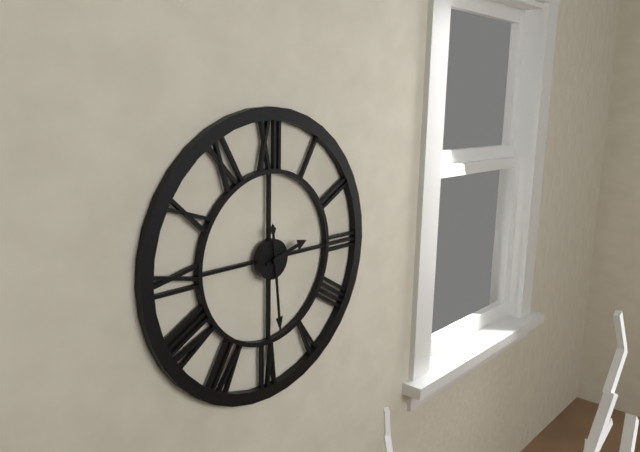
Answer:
2:29
